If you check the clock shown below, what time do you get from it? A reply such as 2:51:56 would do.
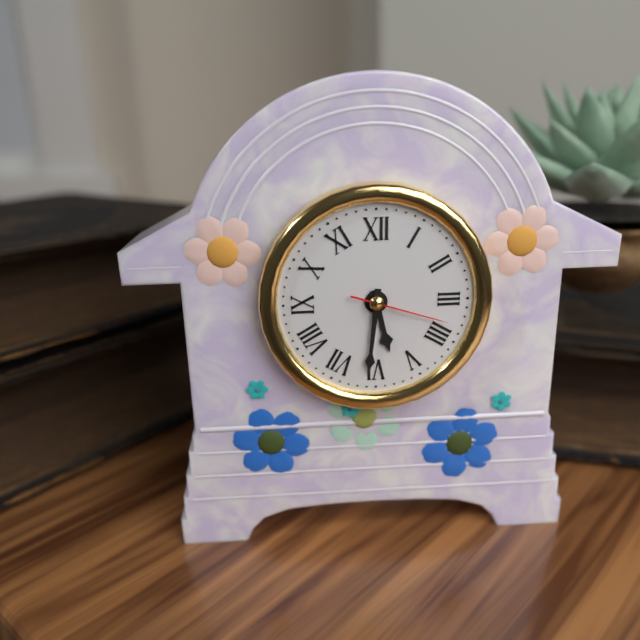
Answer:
5:31:18
